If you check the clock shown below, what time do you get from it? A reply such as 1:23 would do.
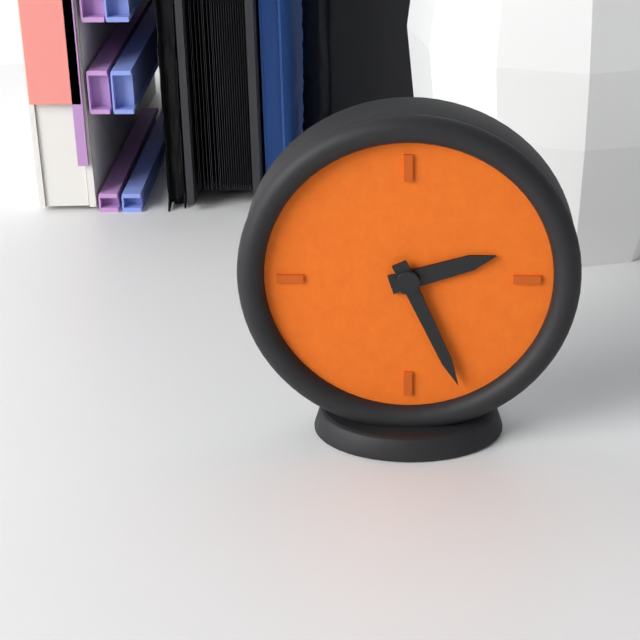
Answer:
2:26
